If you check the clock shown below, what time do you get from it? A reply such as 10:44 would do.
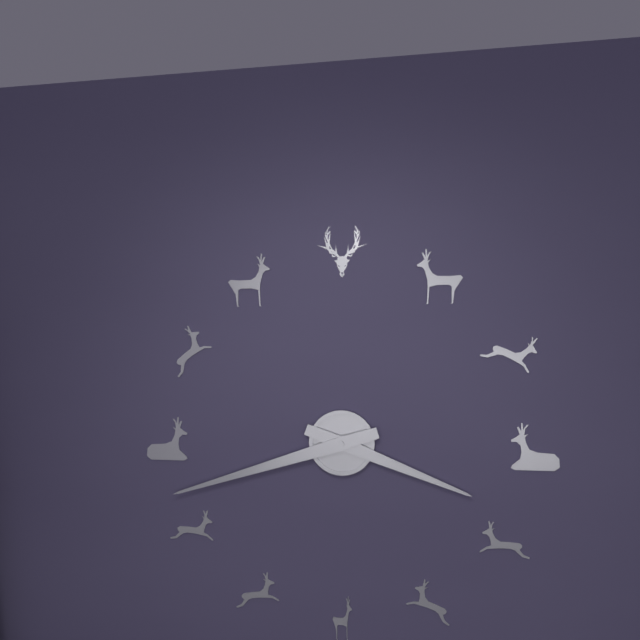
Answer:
3:42
